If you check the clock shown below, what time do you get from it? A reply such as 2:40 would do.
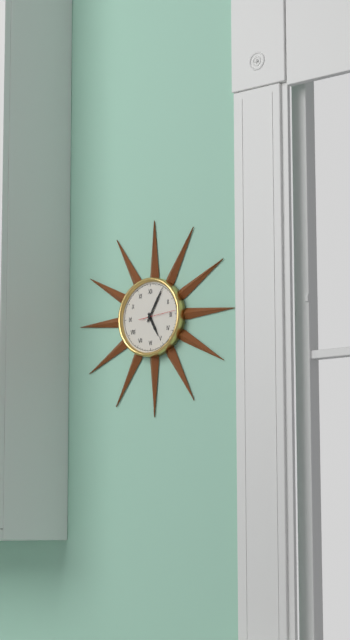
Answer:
5:05
